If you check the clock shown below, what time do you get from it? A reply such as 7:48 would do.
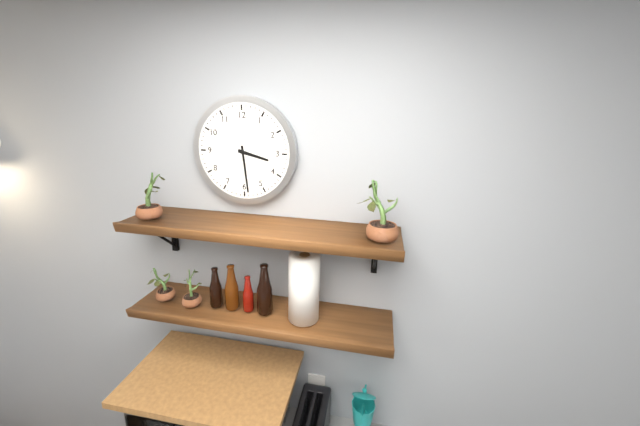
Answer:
3:29
